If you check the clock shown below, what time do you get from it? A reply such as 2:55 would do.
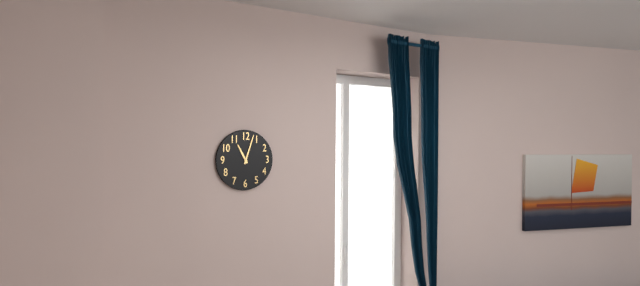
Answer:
11:03
